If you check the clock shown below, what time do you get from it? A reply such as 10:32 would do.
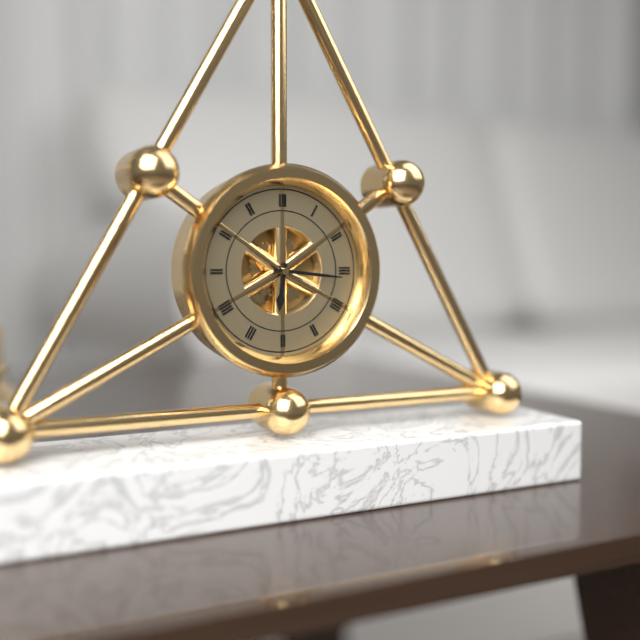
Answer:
6:16
